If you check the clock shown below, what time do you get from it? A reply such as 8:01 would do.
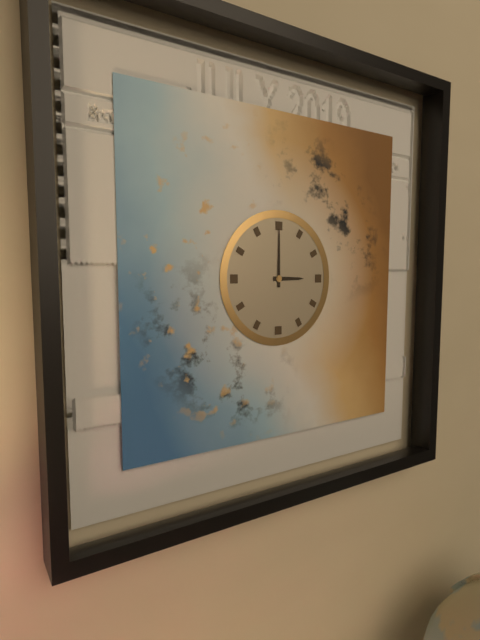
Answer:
3:00
